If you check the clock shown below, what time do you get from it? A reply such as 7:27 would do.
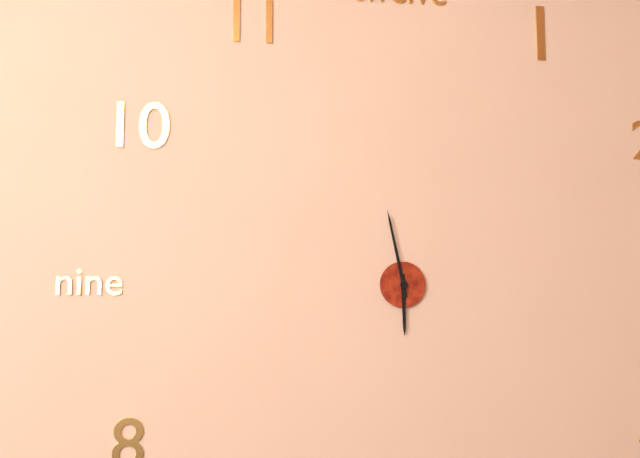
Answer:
5:58
